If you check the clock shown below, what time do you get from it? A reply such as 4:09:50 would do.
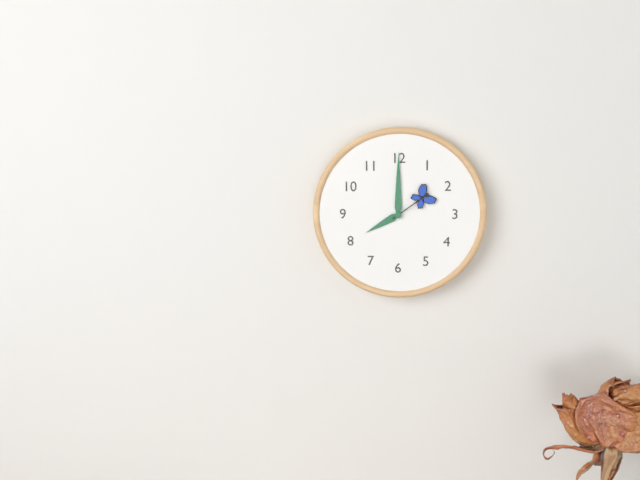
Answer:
8:00:09
